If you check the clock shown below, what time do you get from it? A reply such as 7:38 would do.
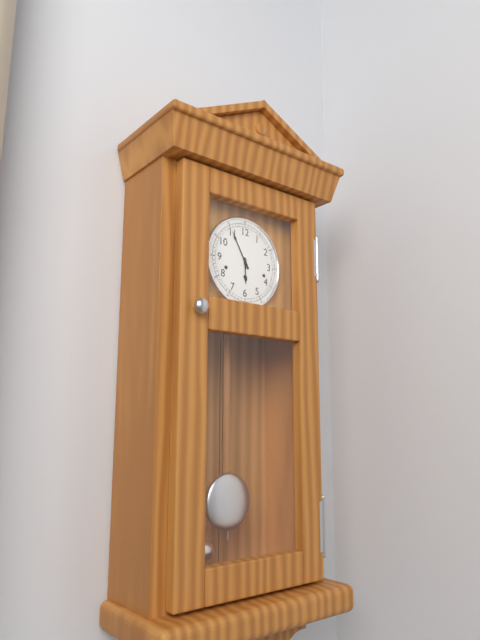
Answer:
5:55
